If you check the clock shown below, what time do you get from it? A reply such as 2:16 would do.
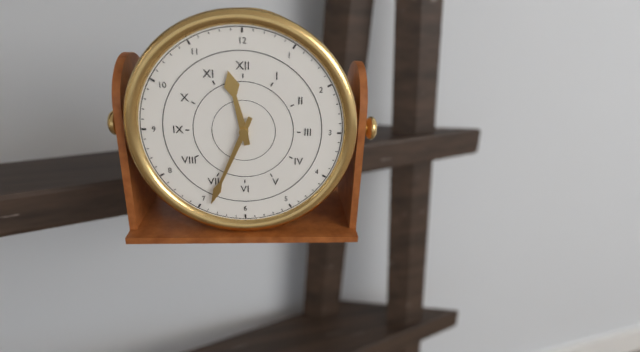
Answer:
11:34
